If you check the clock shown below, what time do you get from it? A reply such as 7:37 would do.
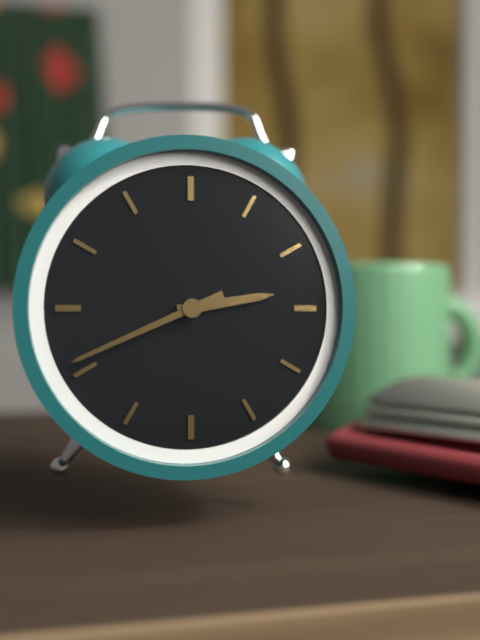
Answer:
2:41
